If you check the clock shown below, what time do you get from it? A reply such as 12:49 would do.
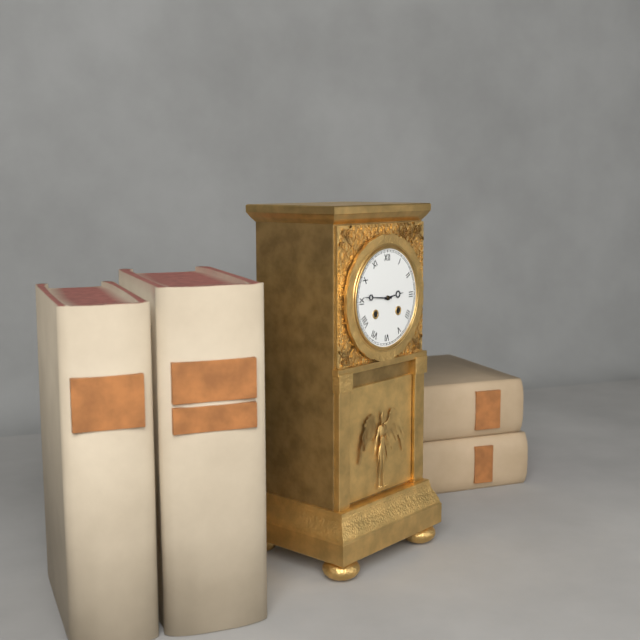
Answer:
2:46
